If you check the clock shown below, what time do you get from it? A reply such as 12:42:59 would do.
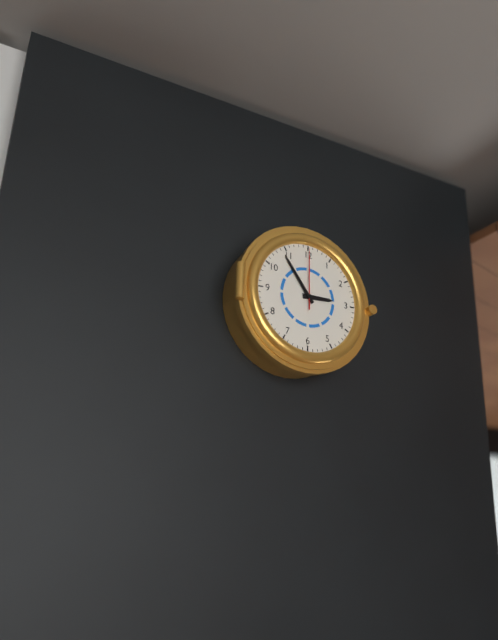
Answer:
2:54:00
